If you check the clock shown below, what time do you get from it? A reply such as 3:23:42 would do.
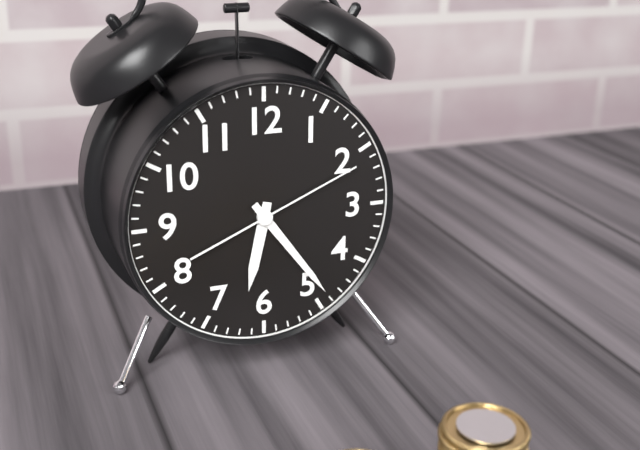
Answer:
6:24:11
